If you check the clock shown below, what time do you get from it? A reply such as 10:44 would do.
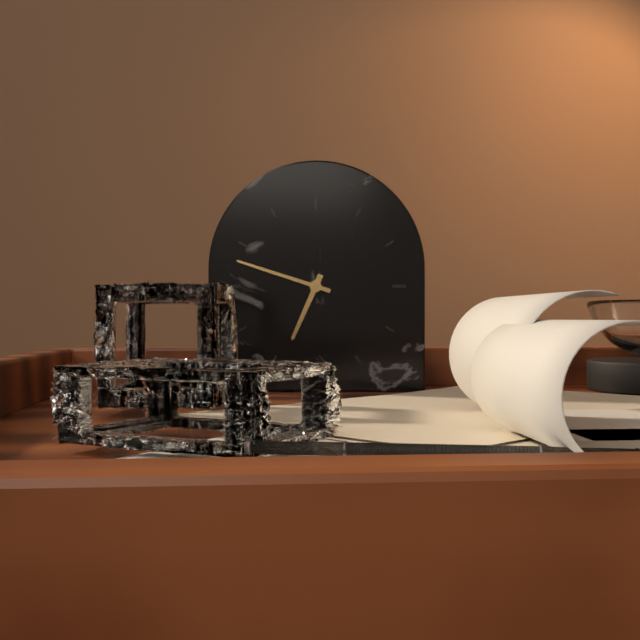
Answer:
6:48
